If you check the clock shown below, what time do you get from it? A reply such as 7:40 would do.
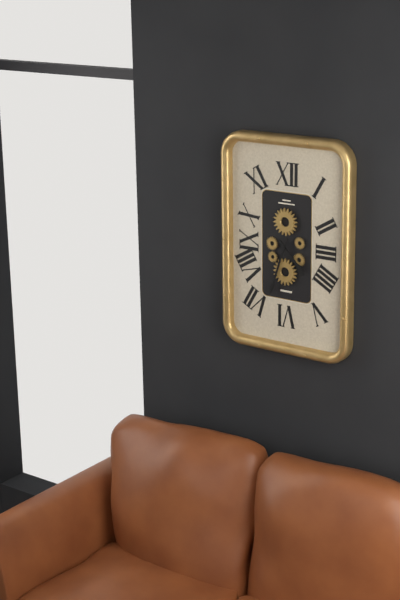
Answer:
4:33
